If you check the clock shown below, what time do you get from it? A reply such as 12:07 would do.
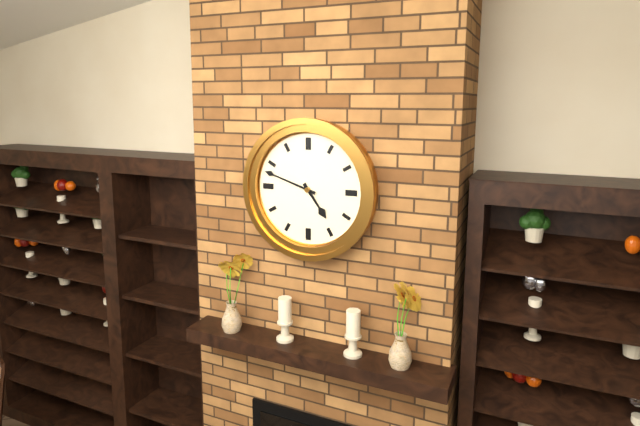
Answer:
4:48
